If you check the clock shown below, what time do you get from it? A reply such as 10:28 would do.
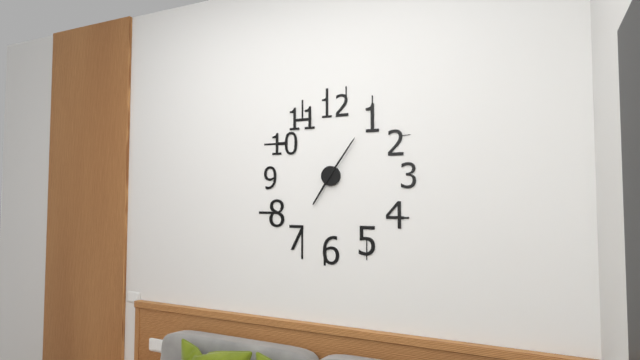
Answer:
7:06
